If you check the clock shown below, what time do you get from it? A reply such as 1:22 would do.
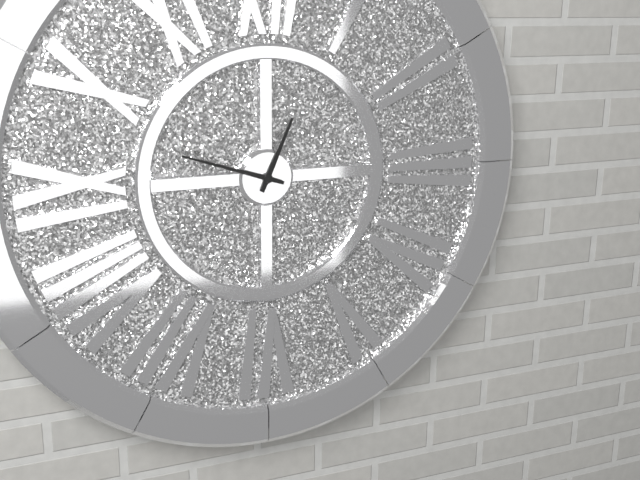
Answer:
12:48
